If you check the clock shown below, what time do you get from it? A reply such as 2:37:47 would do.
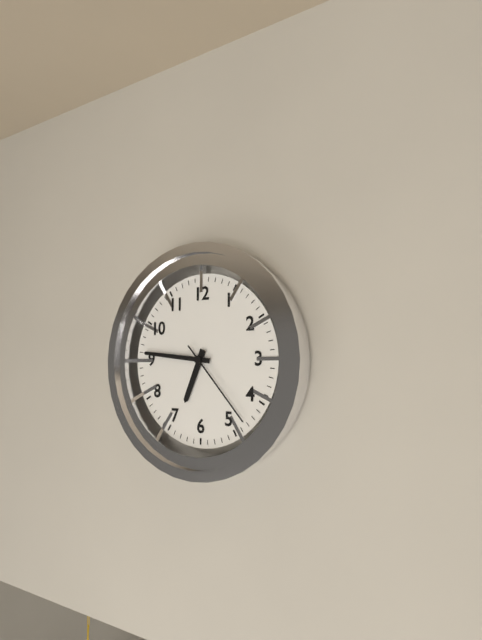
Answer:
6:46:23
